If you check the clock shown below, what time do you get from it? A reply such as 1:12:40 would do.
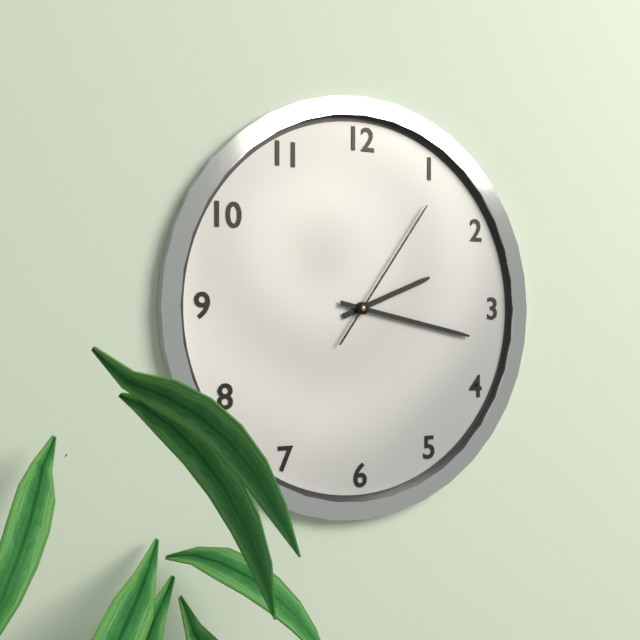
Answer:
2:17:06
